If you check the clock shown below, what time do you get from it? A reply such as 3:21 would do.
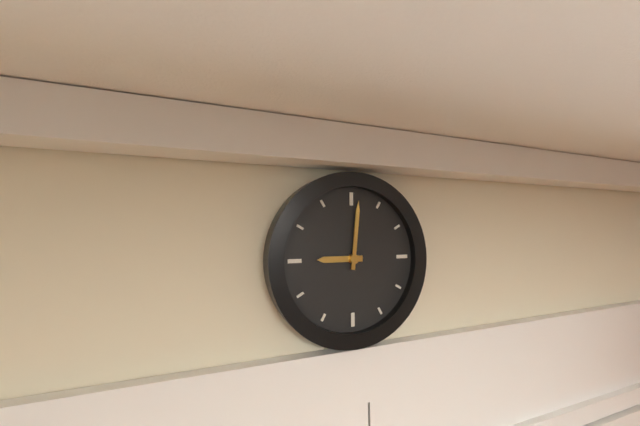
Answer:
9:01
